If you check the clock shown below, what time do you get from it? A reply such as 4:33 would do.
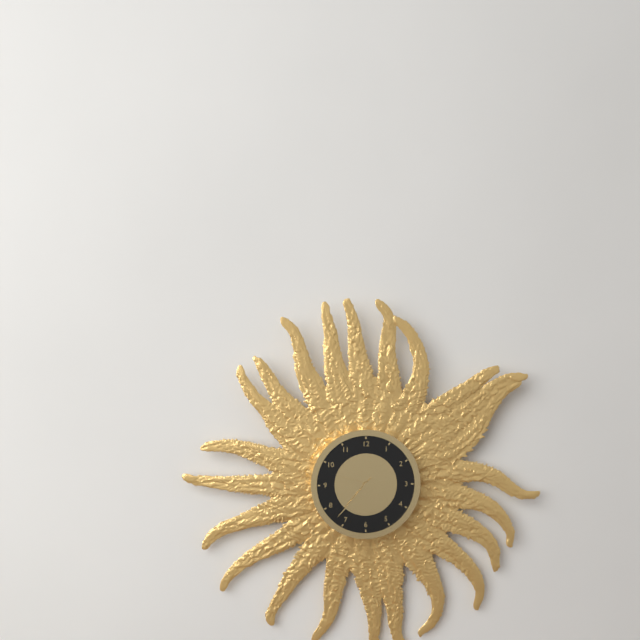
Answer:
9:37
